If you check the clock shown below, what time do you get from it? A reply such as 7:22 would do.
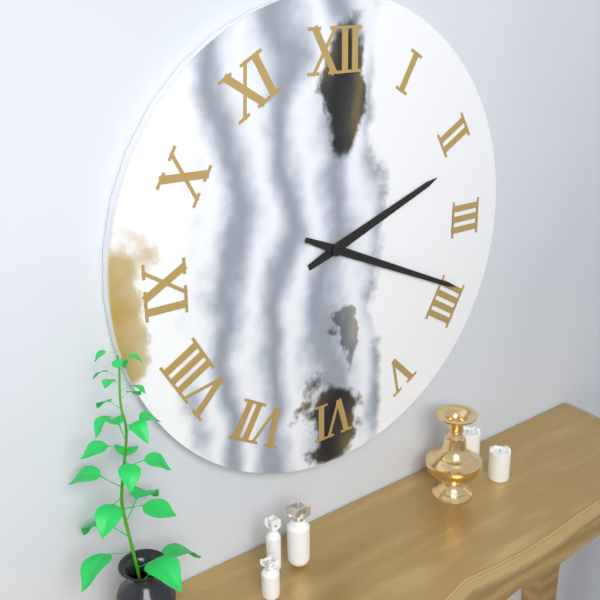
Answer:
2:19
